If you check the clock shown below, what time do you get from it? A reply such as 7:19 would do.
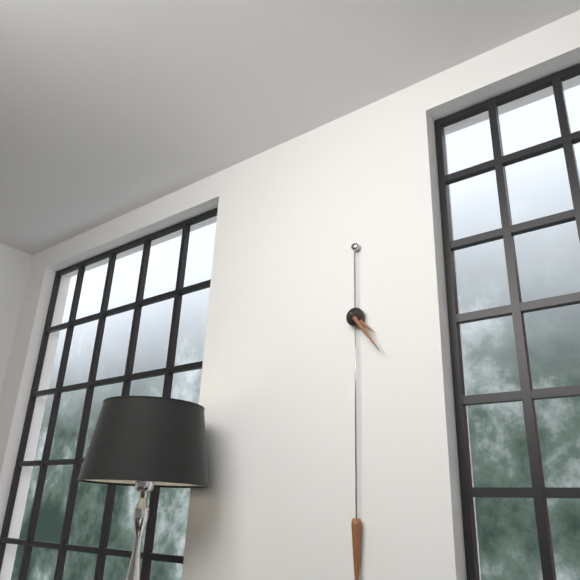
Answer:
4:24
